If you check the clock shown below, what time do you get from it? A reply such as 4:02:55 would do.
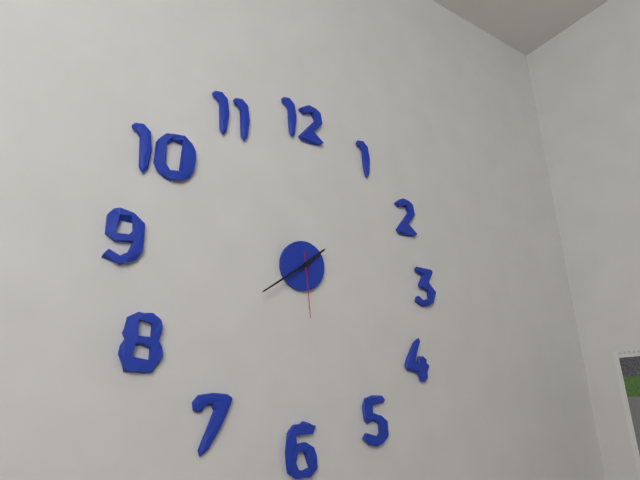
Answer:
1:39:29
